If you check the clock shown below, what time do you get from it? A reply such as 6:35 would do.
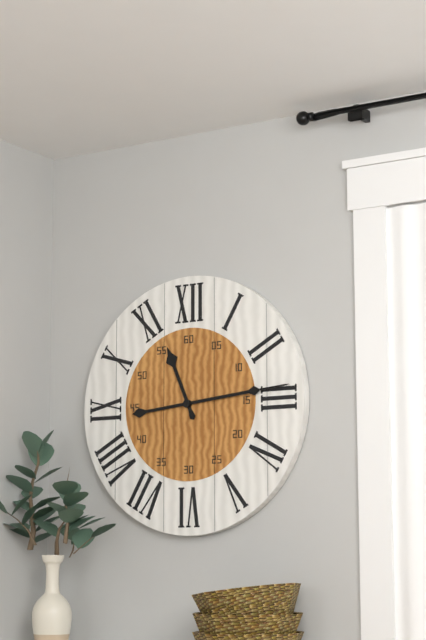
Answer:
11:14
